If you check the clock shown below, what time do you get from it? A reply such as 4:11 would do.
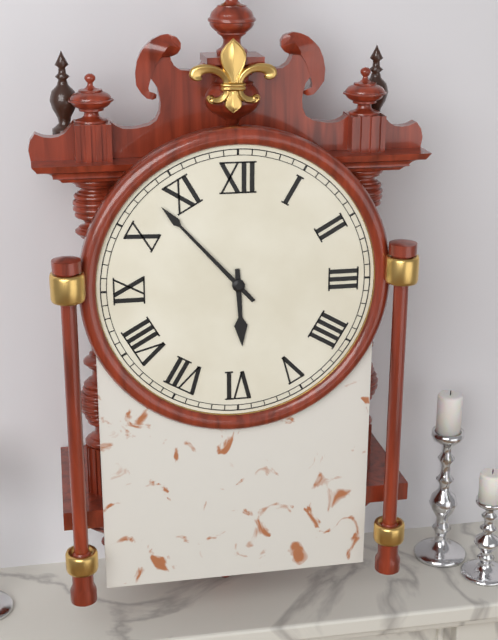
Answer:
5:53
